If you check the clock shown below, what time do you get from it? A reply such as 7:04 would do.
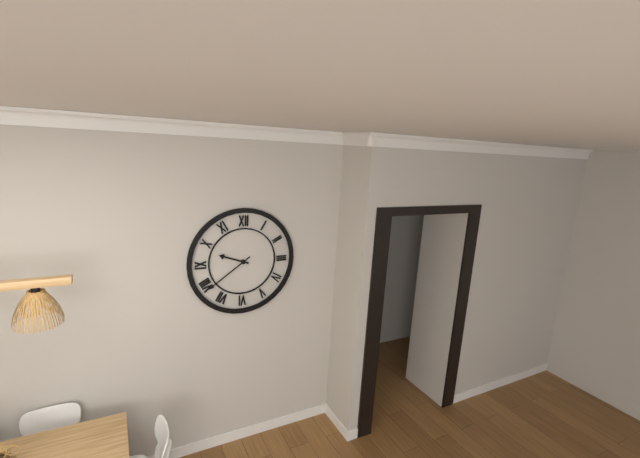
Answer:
9:39
